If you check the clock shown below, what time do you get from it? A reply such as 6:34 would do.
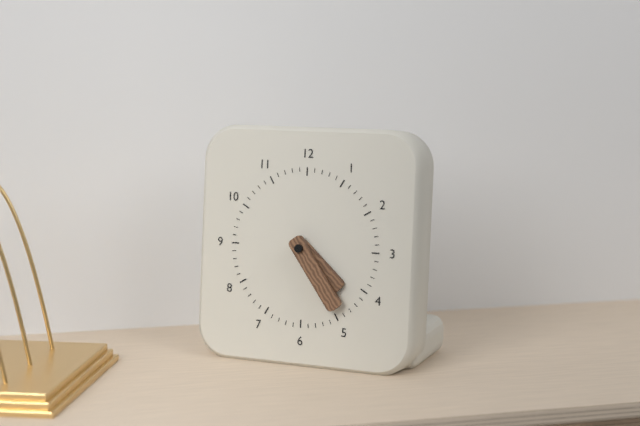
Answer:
4:24
